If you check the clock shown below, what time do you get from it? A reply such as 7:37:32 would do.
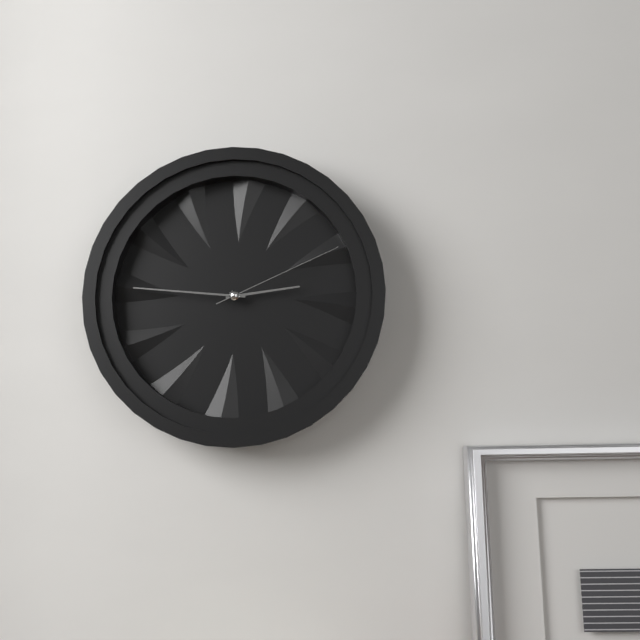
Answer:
2:46:11
